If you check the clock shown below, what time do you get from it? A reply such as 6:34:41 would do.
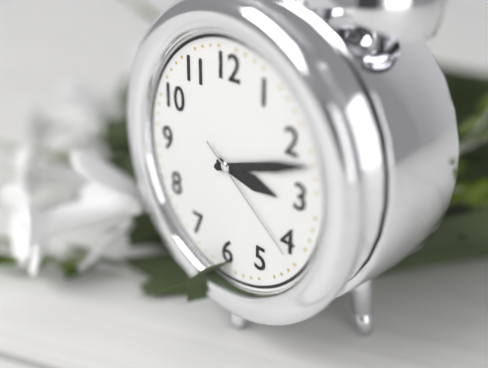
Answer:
3:12:21
